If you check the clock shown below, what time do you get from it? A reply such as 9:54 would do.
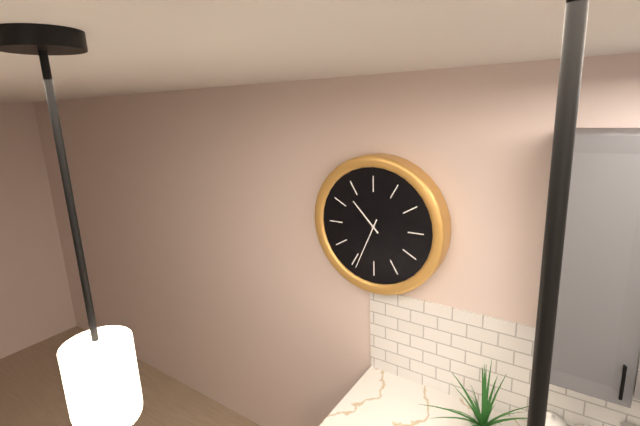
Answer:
10:34
